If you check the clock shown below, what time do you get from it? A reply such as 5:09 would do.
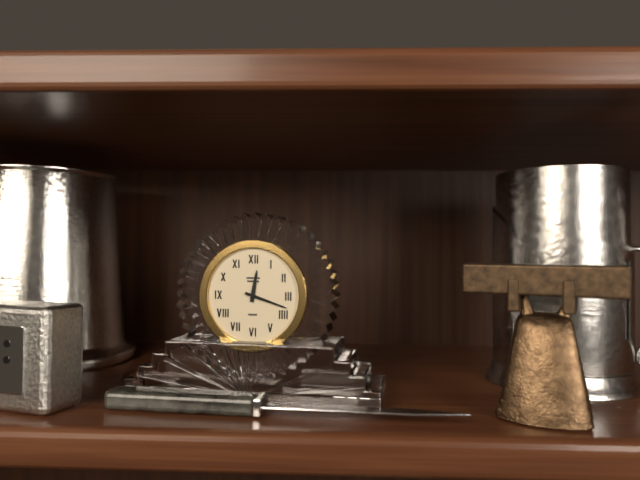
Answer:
12:18
